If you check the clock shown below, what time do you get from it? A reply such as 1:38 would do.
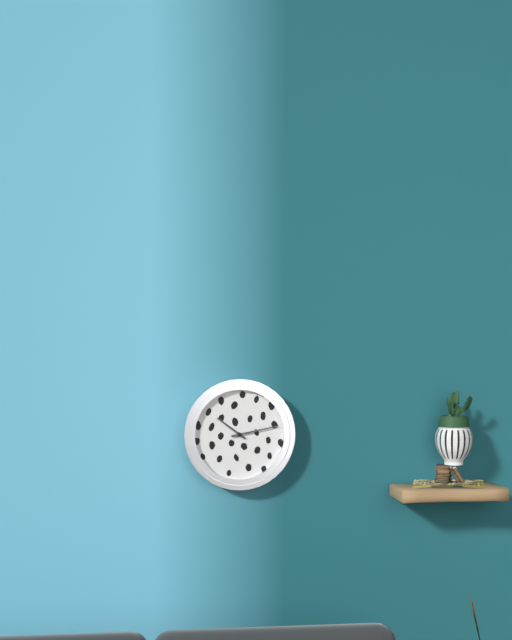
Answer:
10:13
